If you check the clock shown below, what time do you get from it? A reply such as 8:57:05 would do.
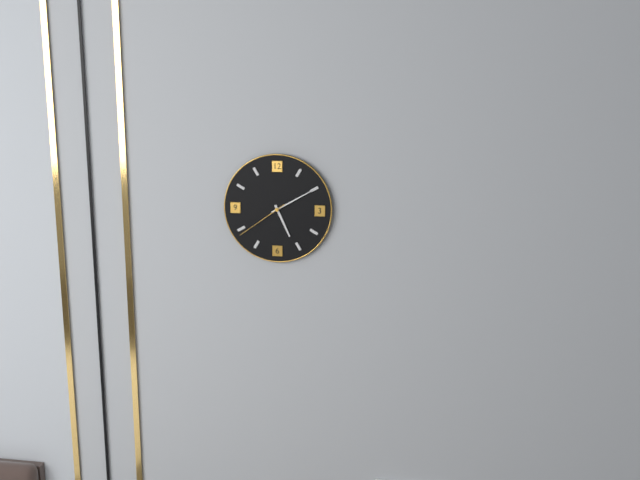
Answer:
5:10:39
